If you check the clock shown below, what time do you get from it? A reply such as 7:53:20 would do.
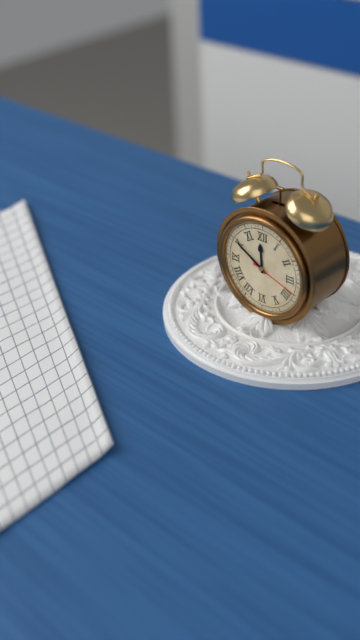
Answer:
11:50:18
